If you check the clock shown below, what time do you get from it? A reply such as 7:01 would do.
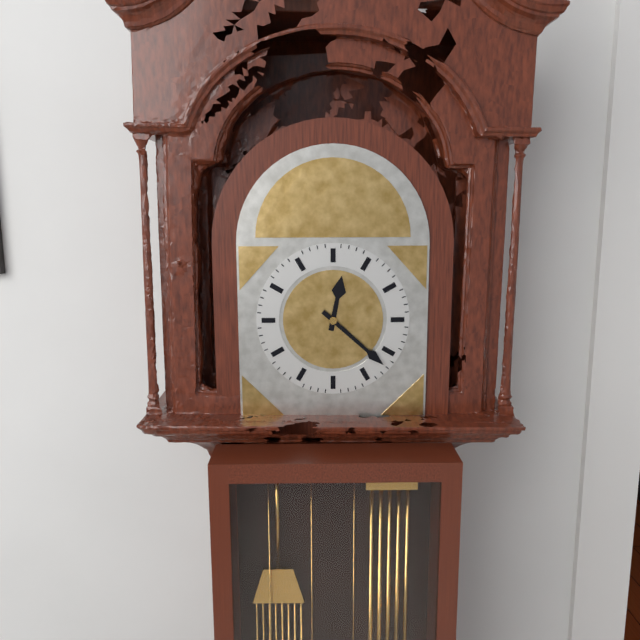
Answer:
12:22
